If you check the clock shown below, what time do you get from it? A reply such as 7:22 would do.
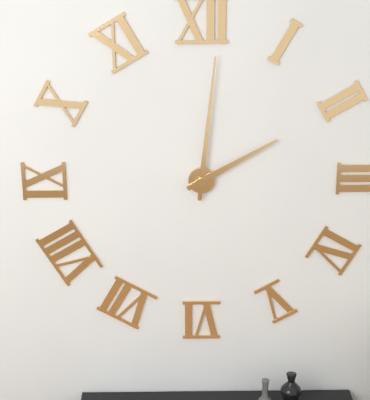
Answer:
2:01
